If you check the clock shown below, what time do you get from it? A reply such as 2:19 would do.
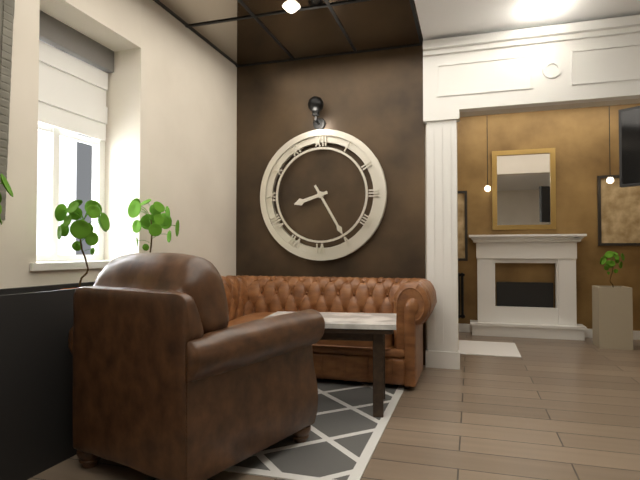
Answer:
8:25
